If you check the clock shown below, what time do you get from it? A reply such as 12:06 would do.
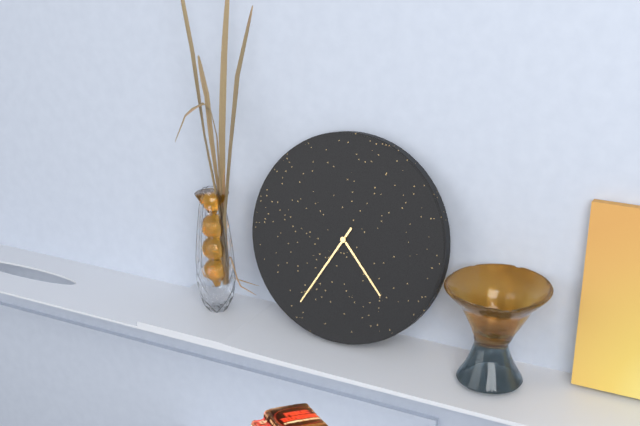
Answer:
4:35
